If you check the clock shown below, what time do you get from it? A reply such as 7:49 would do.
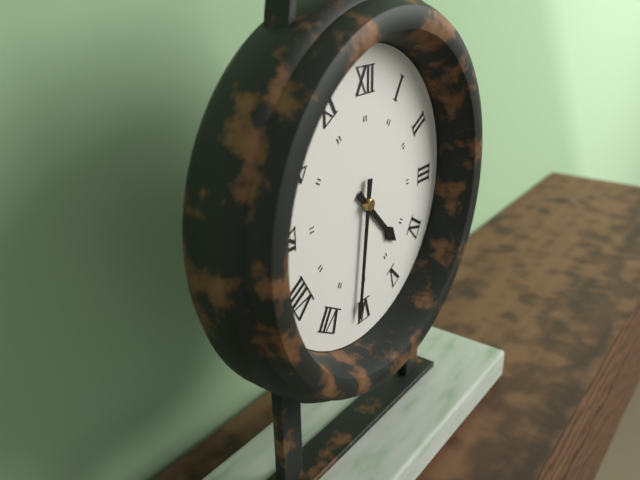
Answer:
4:31
